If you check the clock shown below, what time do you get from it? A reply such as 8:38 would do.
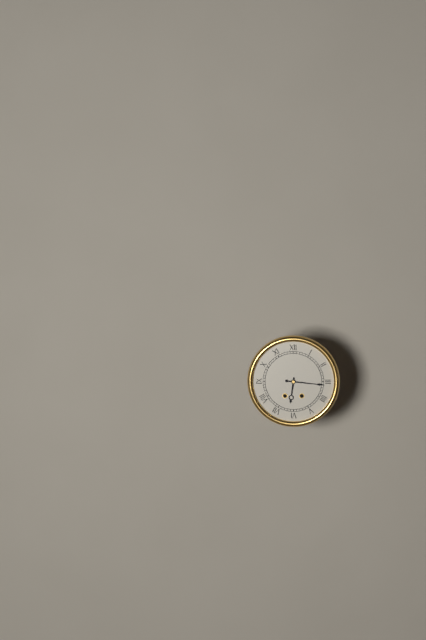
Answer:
6:16
